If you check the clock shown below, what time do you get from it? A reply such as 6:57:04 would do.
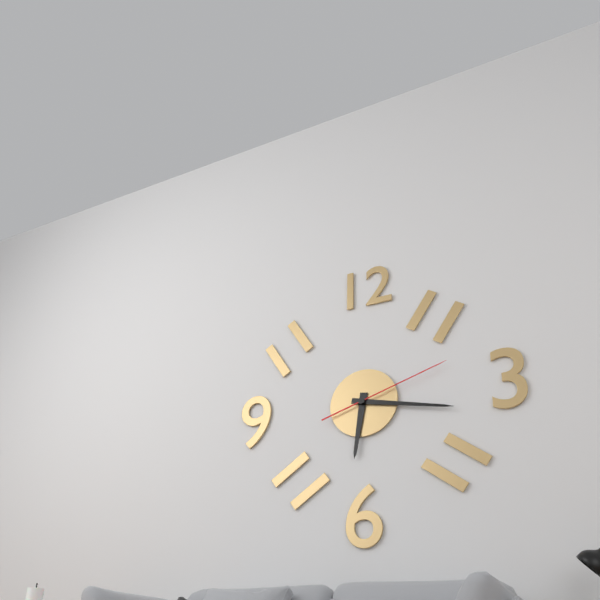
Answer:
6:17:12
